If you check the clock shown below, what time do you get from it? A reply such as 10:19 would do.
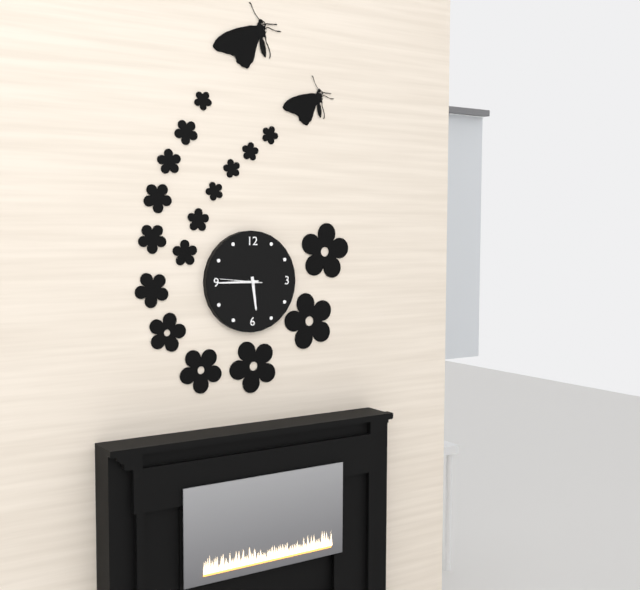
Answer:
5:45
